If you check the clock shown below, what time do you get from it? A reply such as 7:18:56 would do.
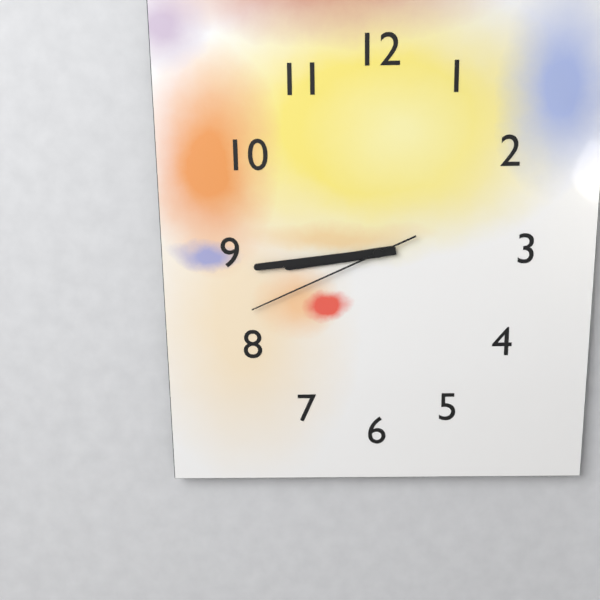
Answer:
8:44:41
